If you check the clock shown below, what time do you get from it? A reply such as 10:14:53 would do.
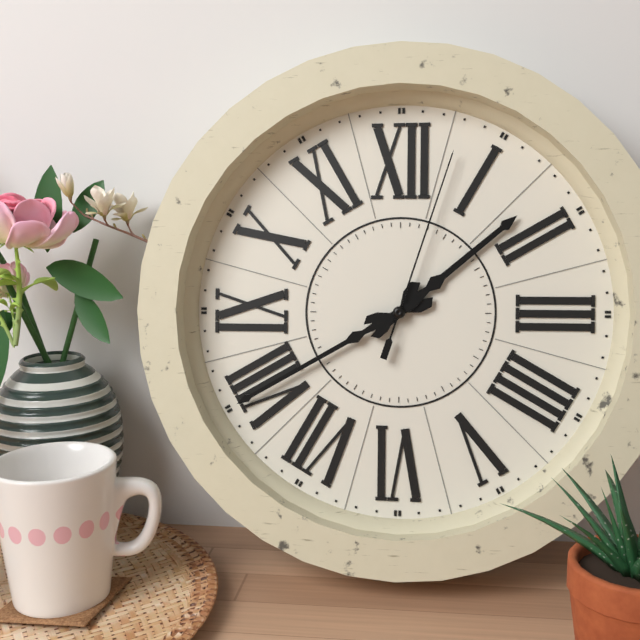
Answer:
1:40:03
